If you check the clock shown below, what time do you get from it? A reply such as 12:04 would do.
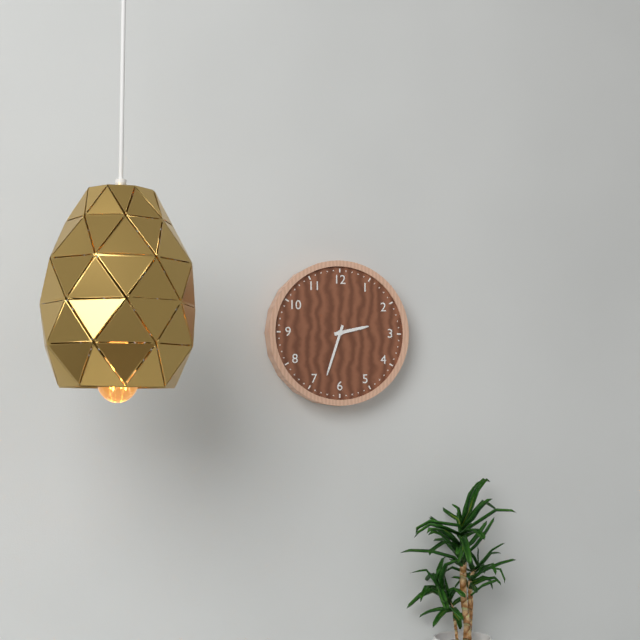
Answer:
2:33
